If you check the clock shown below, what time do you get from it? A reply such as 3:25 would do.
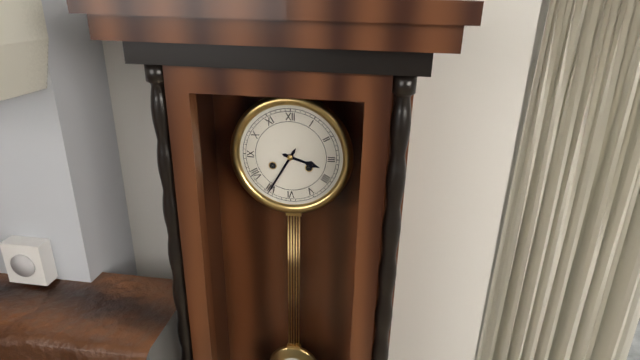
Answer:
3:35
